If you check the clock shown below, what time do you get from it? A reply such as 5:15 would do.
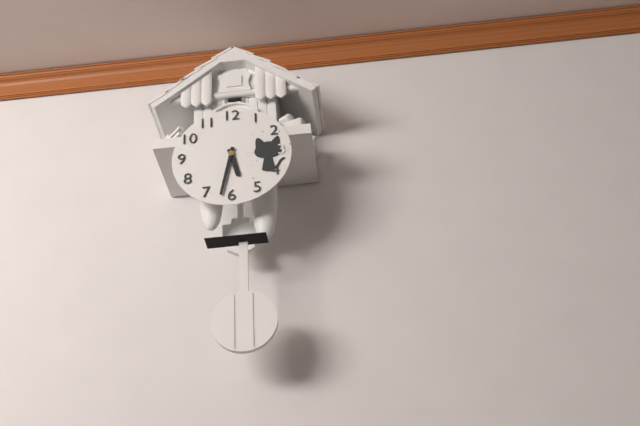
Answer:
5:32
